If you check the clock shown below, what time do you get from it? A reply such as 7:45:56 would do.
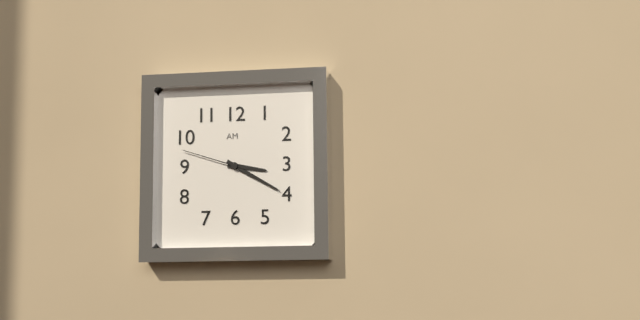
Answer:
3:20:48
